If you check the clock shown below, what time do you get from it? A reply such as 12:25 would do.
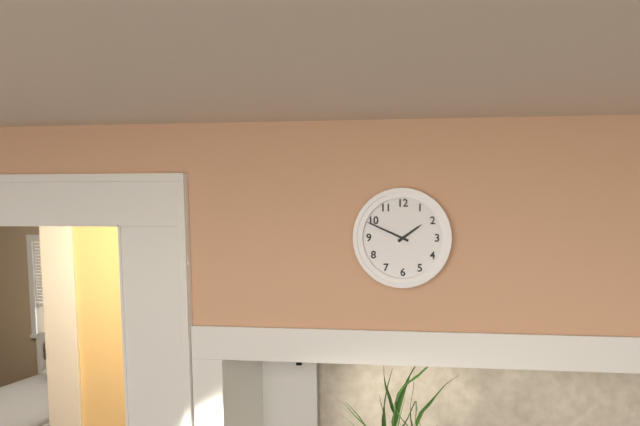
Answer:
1:49
